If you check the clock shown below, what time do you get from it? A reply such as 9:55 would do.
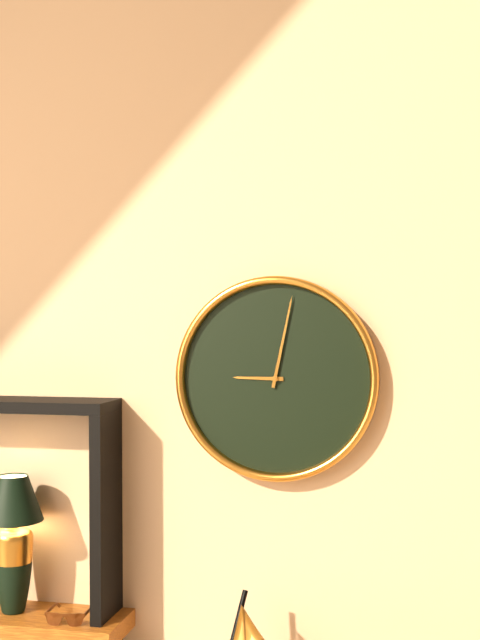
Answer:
9:02
